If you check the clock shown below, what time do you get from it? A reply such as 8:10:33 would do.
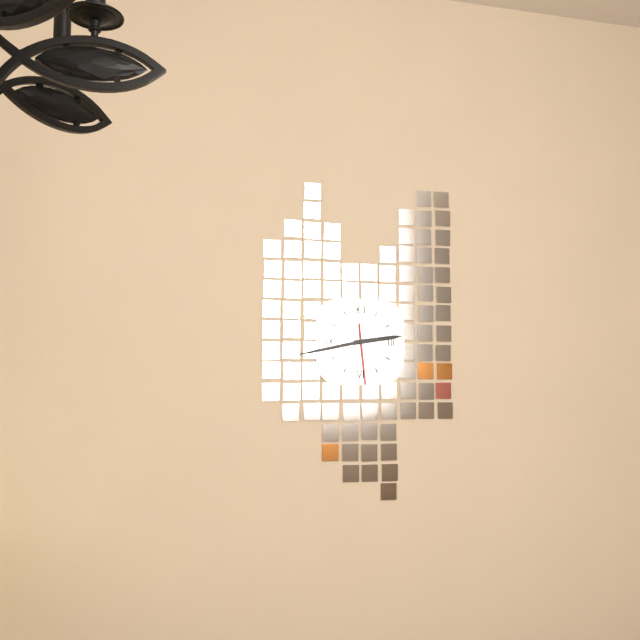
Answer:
2:43:29
